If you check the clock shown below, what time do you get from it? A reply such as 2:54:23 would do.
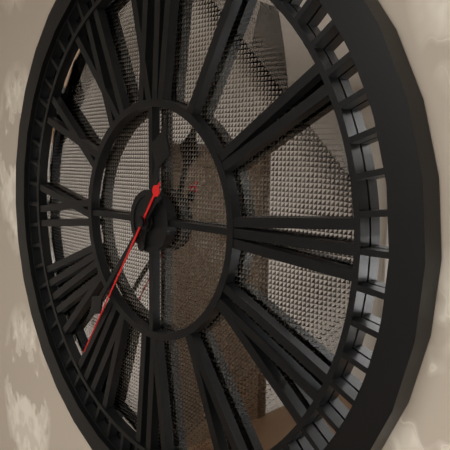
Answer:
12:37:36
